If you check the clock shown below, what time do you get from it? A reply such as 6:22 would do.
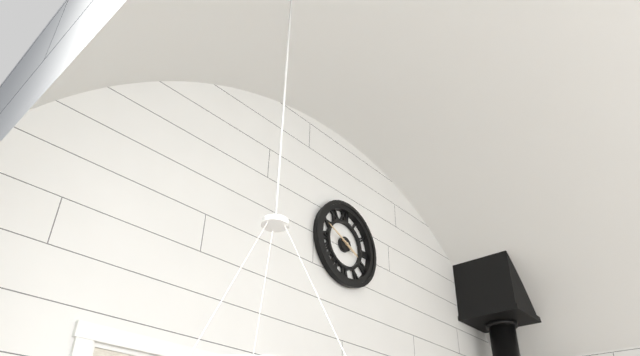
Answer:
3:49
